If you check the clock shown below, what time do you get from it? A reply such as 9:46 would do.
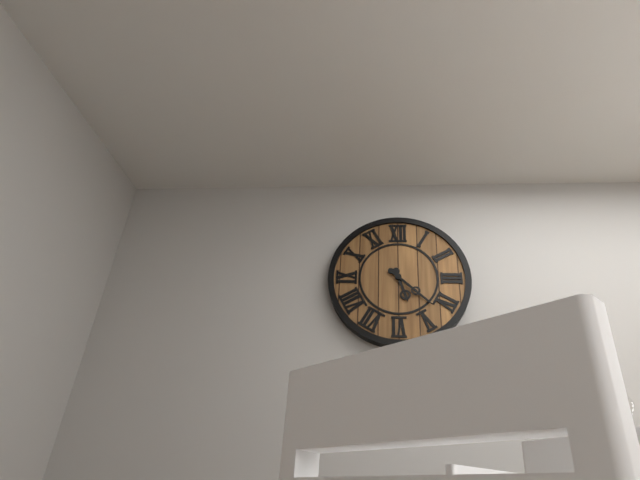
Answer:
5:22
